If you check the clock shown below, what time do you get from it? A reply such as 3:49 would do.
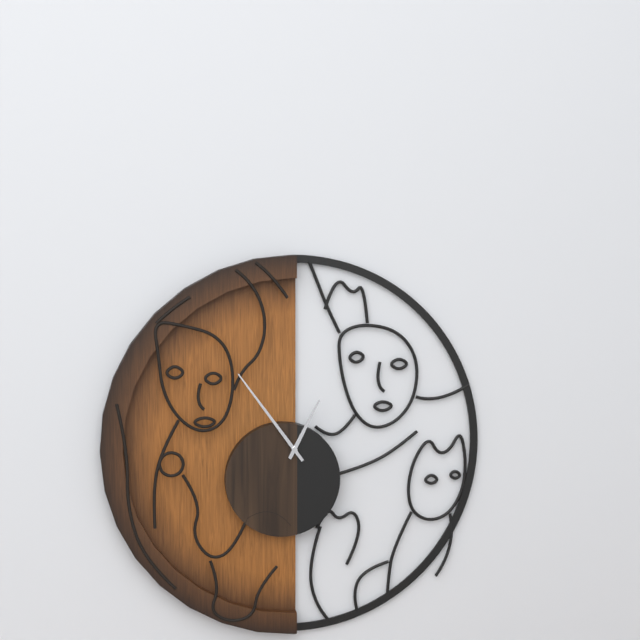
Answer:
12:54
